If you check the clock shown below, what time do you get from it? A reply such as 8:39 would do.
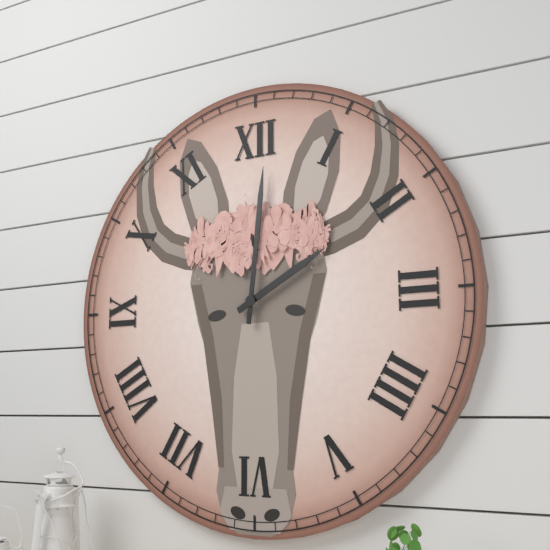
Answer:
2:01
